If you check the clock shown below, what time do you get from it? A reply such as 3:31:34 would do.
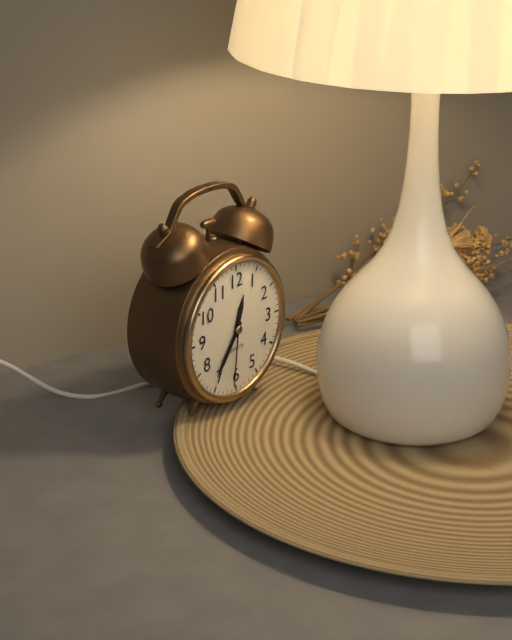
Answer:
12:36:31
